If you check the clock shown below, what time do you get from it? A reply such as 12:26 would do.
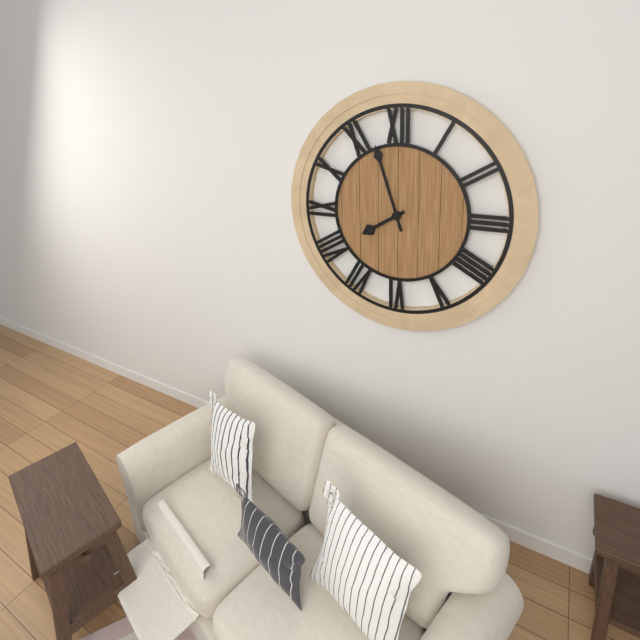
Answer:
7:57
